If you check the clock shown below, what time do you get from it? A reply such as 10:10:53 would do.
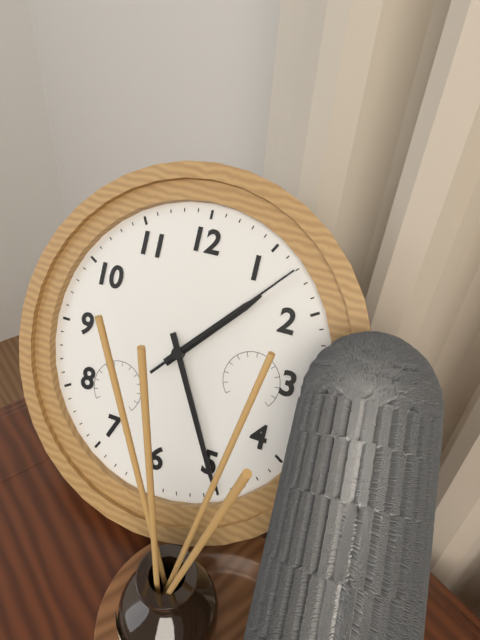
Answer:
1:25:07
